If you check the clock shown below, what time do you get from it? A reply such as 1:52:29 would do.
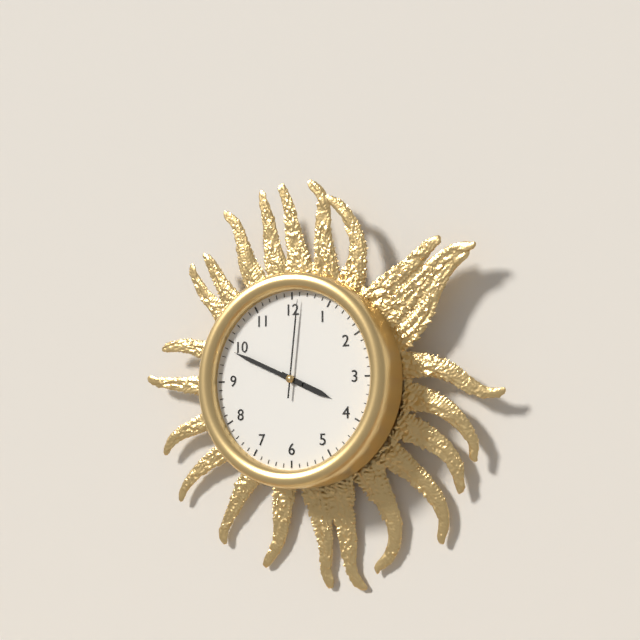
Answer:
3:49:01
